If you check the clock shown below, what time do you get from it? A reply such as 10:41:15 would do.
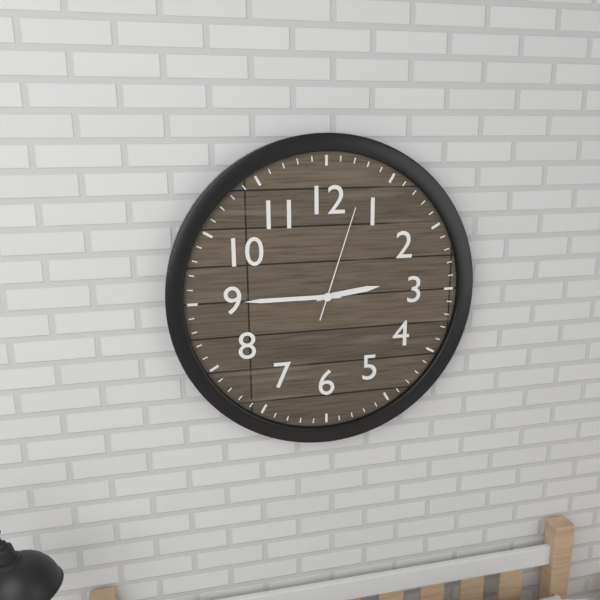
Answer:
2:45:03
